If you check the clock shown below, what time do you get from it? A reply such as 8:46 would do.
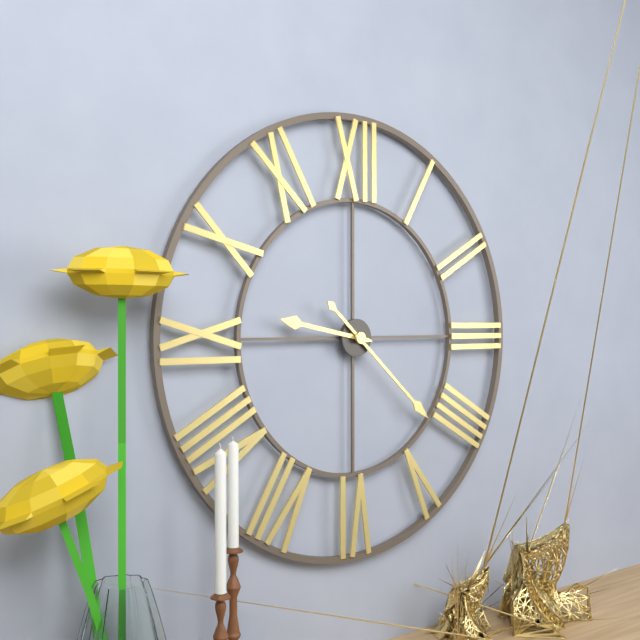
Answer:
9:22
